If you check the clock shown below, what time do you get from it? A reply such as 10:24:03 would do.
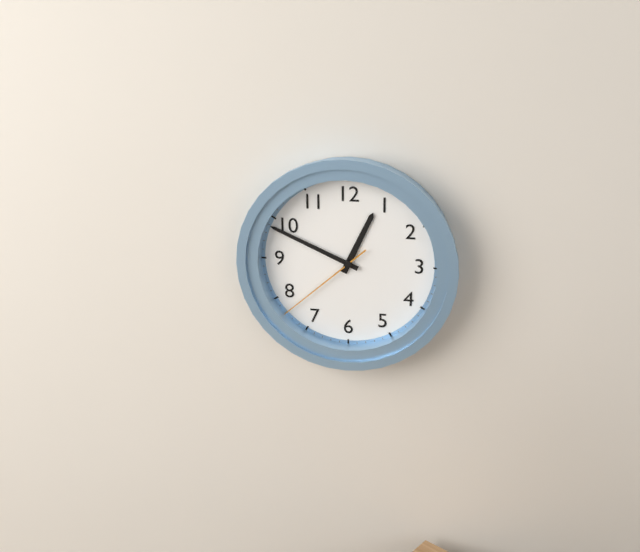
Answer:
12:49:38
